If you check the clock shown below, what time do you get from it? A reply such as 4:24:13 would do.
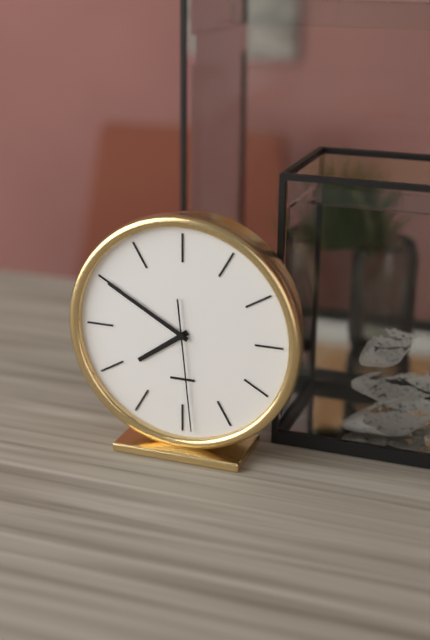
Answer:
7:50:29
